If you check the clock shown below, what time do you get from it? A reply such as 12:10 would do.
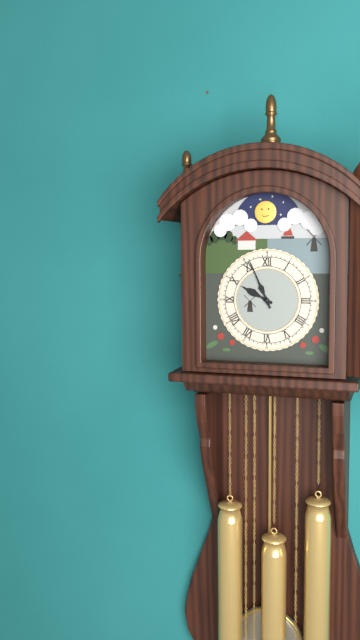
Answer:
9:56
